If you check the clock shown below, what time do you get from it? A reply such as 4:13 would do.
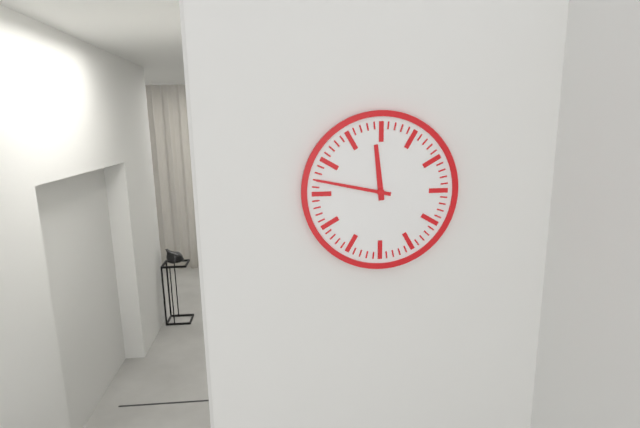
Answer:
11:47
